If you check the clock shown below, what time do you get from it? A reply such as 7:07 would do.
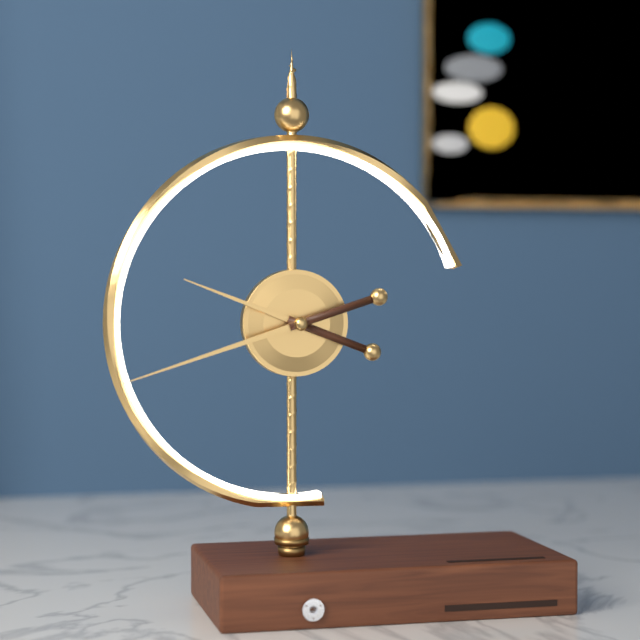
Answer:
9:42
